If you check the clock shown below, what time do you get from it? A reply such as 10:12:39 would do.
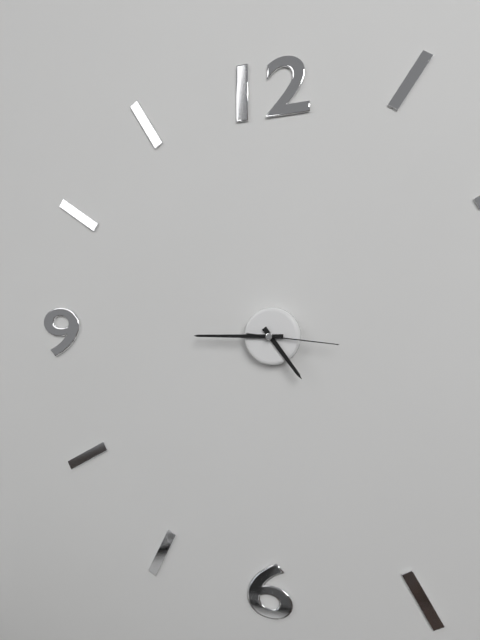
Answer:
4:45:16
